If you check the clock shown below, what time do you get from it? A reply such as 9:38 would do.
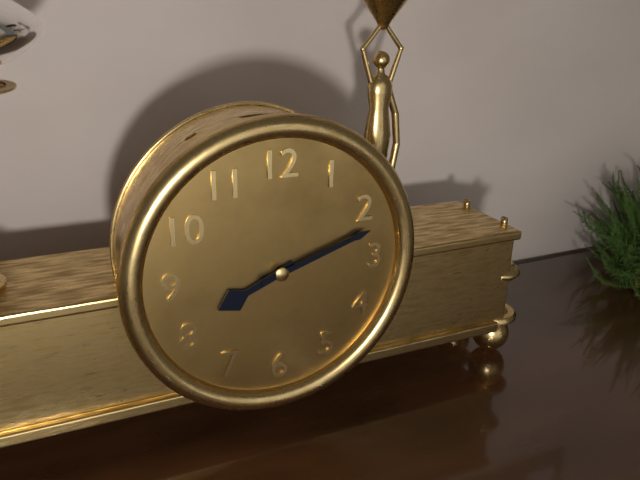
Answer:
8:12
